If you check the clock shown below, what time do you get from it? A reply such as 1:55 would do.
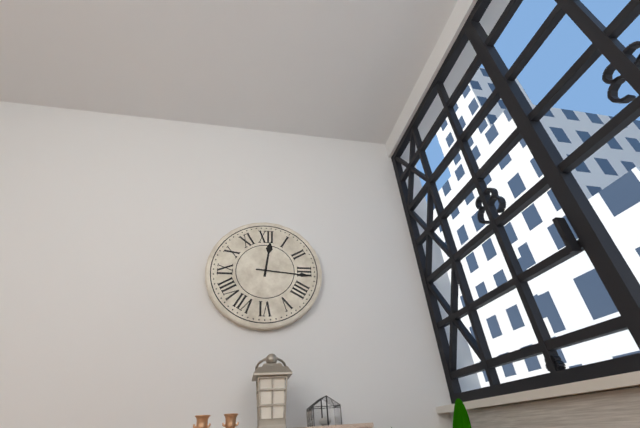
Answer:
12:16
